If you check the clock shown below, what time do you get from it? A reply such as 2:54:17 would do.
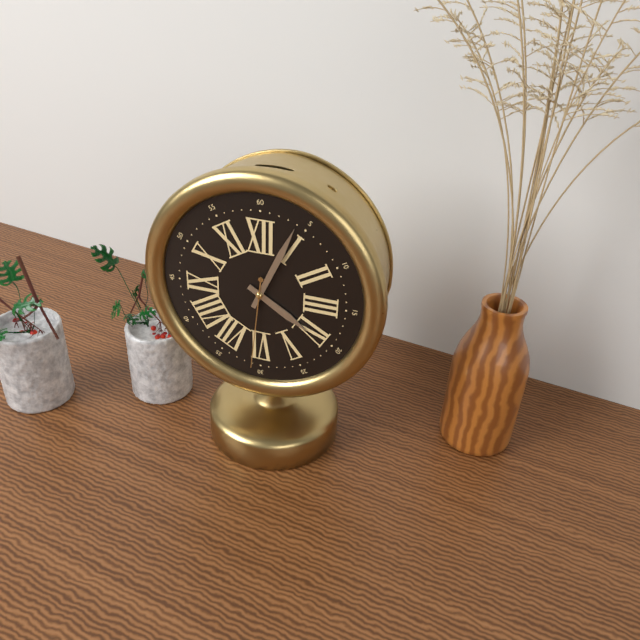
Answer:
4:04:31
